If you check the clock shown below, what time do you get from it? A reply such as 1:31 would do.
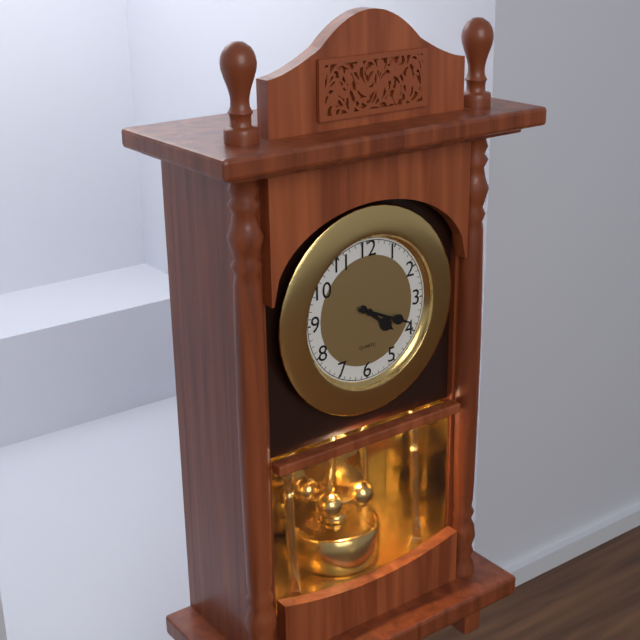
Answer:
4:19
